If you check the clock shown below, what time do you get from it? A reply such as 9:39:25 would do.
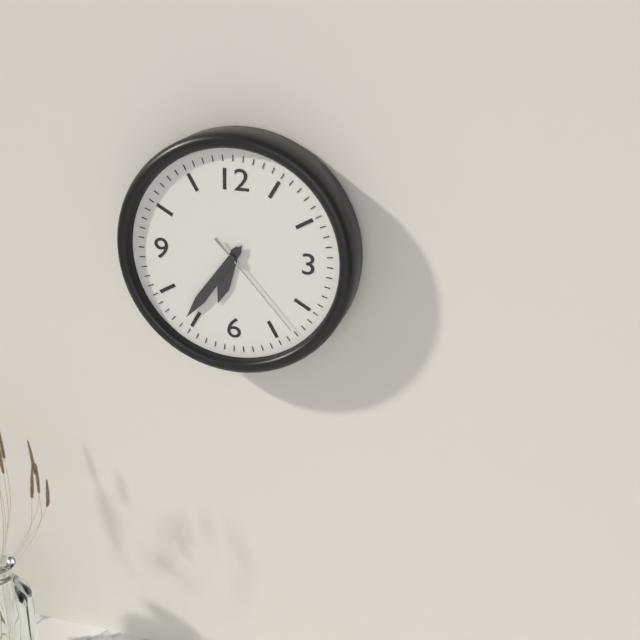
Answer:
6:36:23
